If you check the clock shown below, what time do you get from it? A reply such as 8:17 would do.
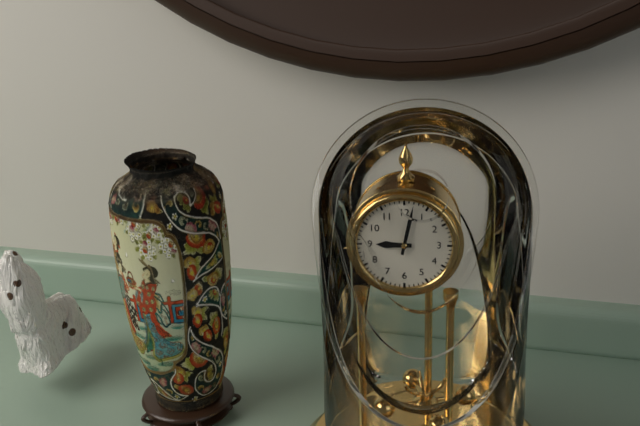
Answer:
9:02
